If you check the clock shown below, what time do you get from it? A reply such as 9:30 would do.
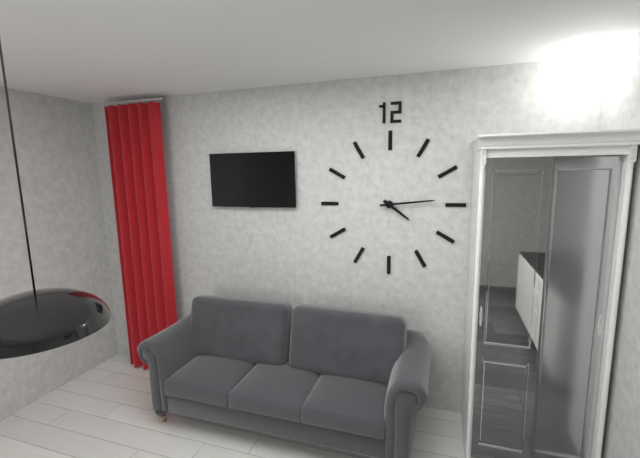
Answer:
4:14
